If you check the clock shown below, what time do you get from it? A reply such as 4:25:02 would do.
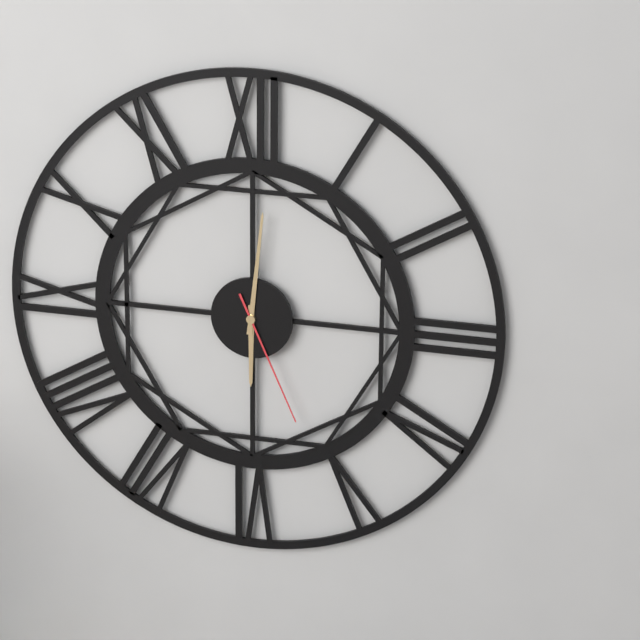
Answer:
6:01:26
